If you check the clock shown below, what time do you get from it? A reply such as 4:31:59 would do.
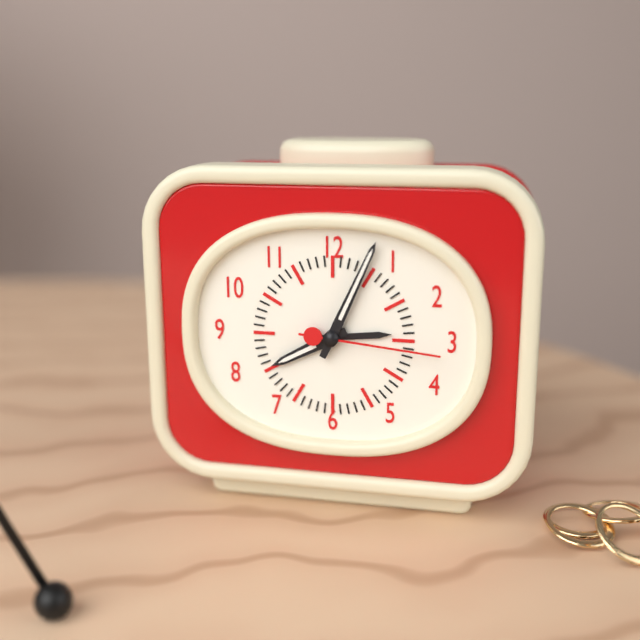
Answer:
8:04:16
